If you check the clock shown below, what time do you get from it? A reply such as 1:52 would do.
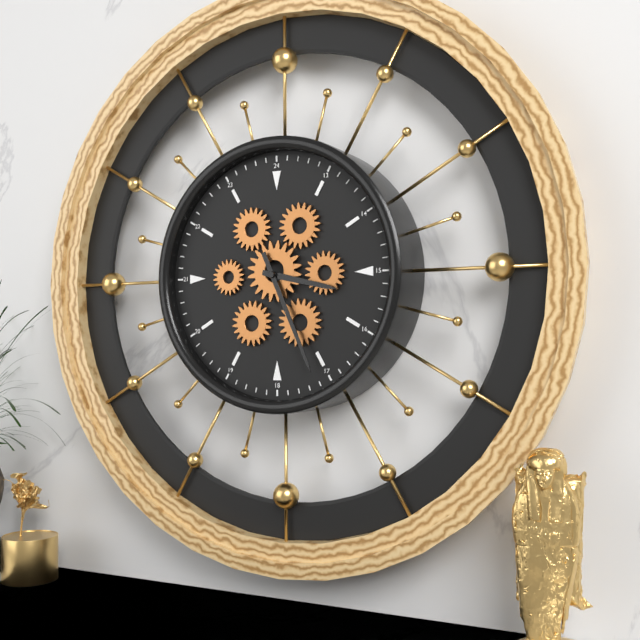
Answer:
3:26
